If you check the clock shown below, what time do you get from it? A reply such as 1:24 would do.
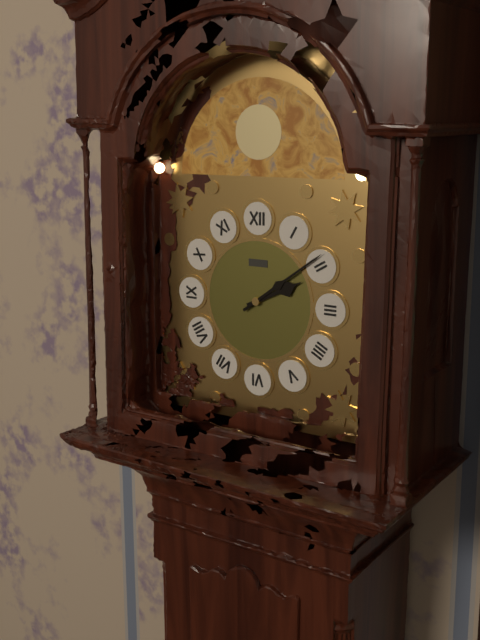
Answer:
2:09
